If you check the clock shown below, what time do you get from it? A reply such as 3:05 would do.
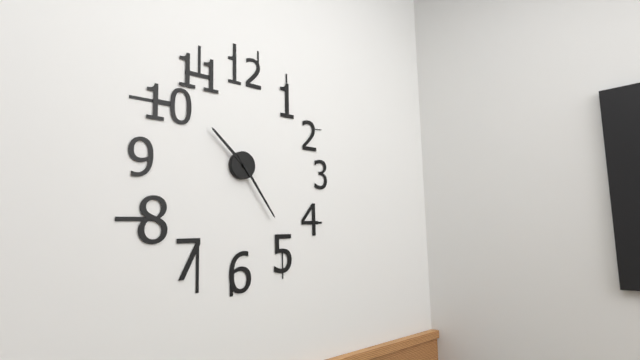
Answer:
10:24
